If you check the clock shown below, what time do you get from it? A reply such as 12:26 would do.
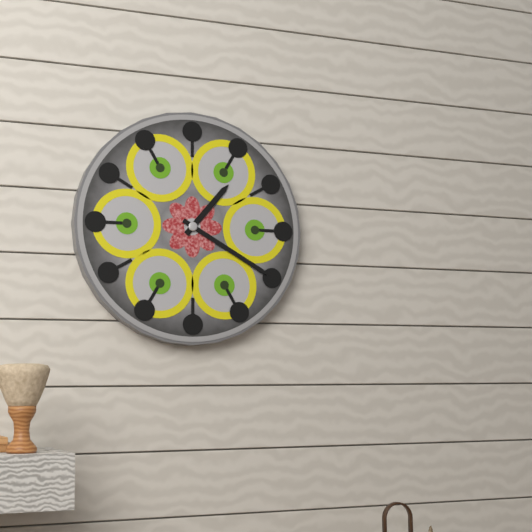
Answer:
1:20
